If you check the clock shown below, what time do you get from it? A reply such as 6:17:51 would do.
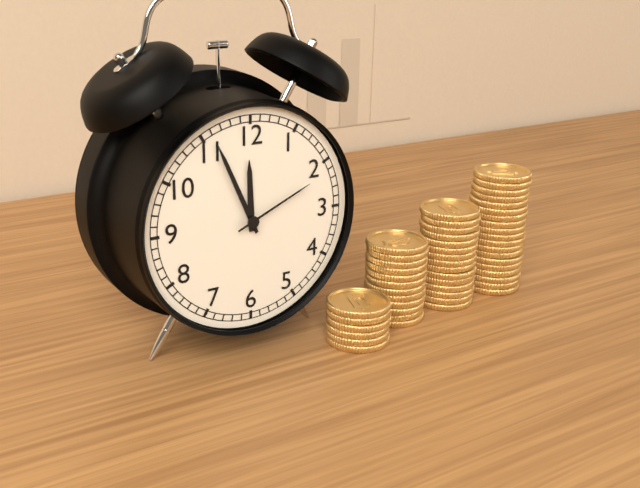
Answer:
11:56:11
